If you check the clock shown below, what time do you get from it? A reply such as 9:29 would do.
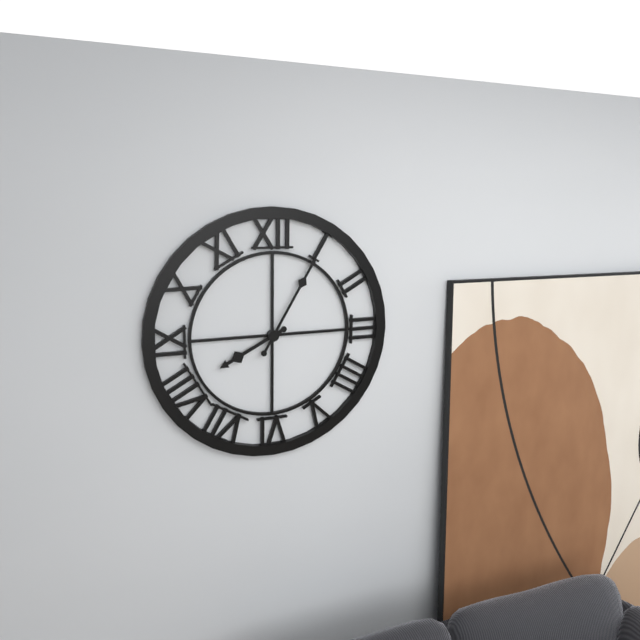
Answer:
8:05
